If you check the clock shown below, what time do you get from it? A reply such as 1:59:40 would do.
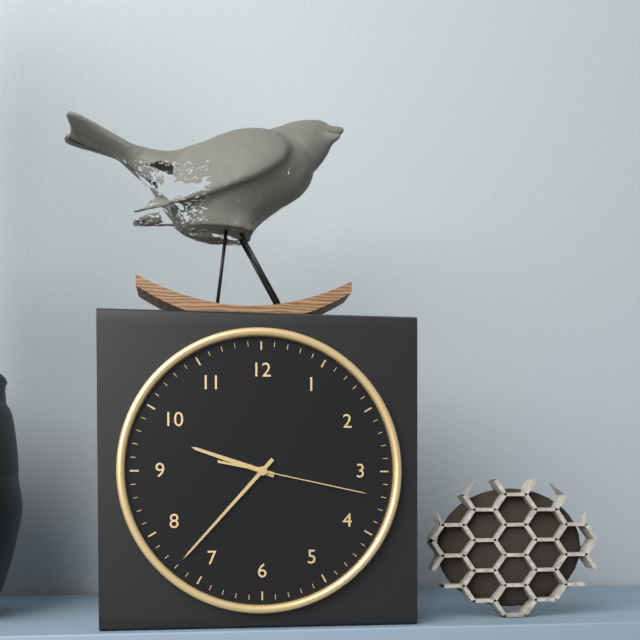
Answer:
9:37:17
